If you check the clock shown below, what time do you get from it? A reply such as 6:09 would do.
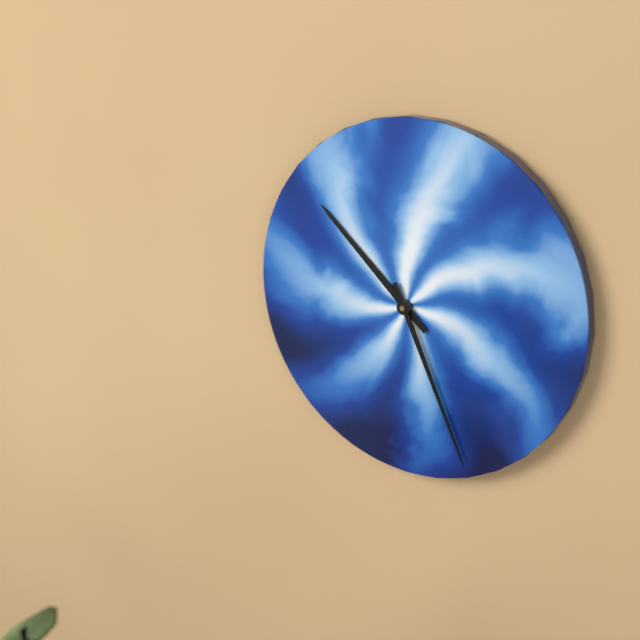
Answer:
10:26
